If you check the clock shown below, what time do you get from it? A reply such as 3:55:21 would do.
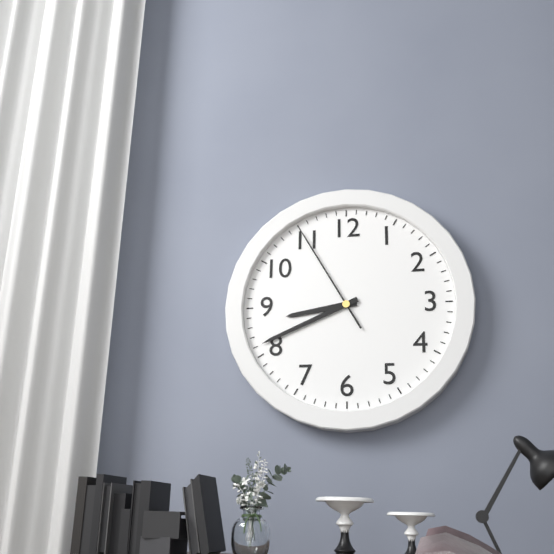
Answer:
8:41:55
